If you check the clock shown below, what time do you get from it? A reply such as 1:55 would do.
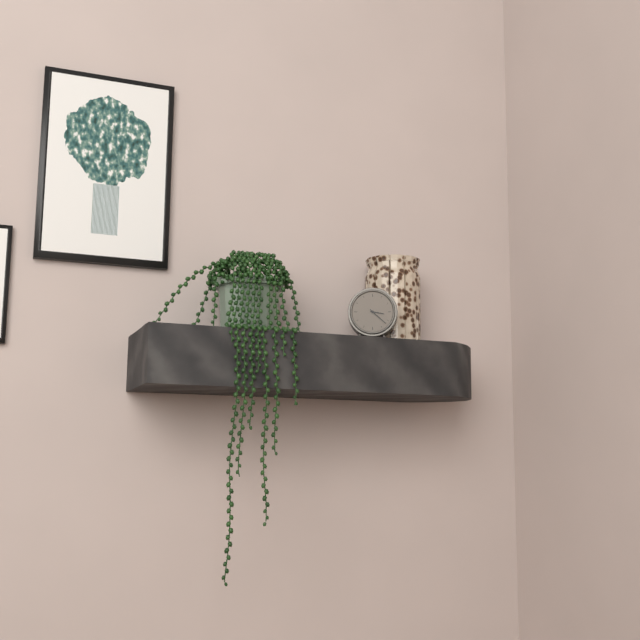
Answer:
3:22
